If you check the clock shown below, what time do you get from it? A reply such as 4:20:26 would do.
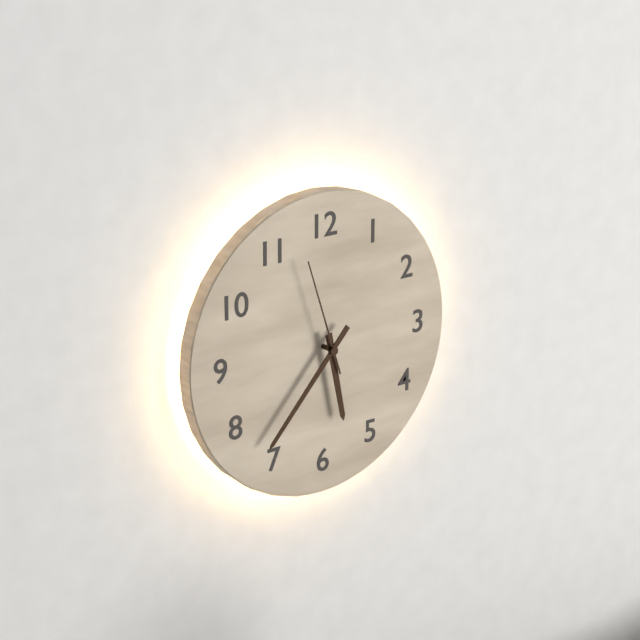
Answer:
5:37:57
